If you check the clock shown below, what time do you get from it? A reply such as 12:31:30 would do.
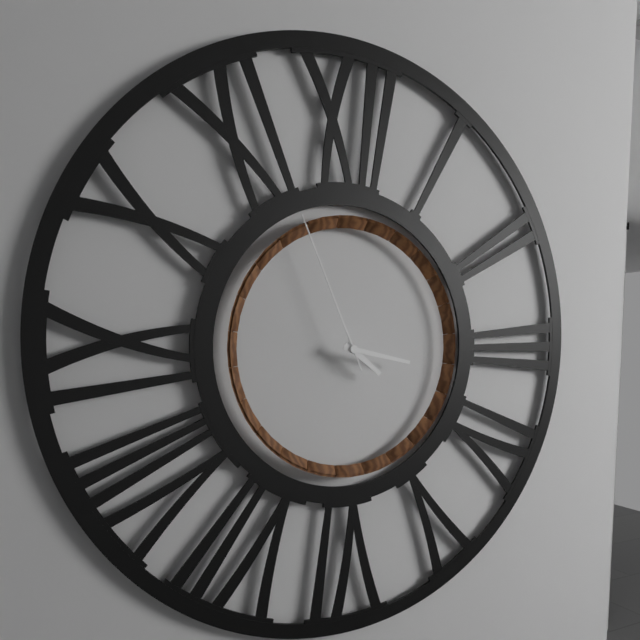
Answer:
4:17:56
